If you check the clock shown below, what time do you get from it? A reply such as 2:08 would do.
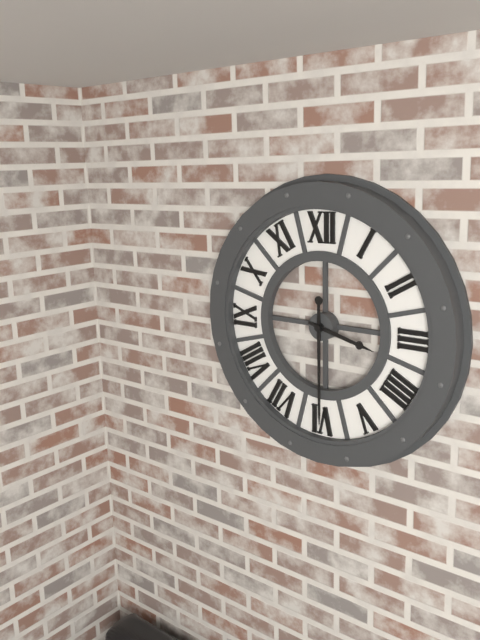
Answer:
3:30
